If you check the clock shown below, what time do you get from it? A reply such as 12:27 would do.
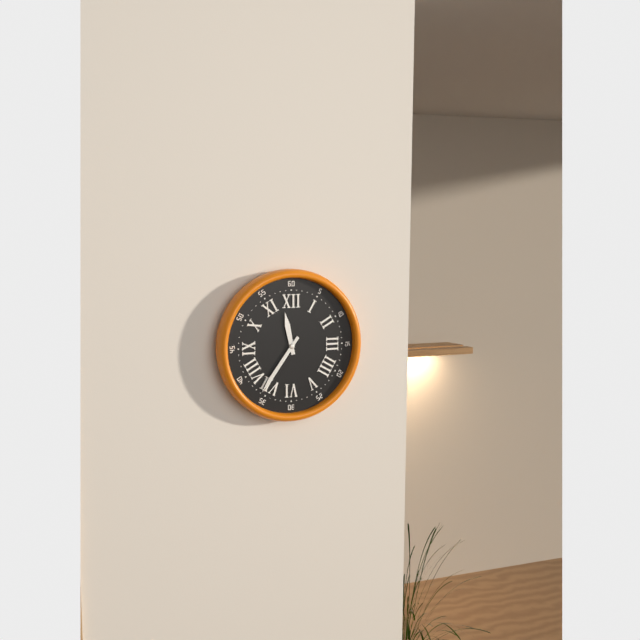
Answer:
11:36
